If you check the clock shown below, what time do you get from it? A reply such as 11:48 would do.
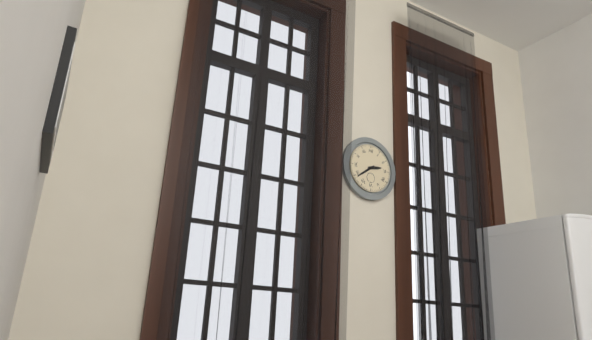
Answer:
2:39
